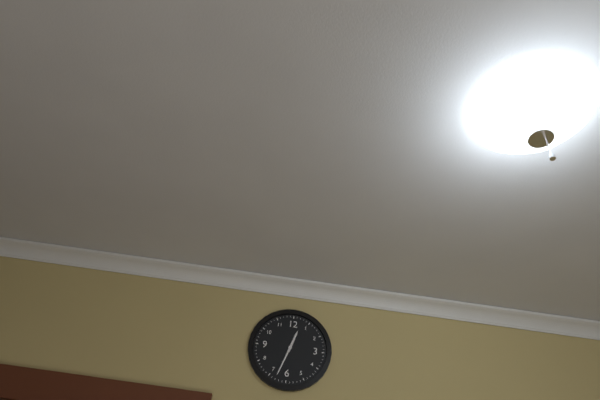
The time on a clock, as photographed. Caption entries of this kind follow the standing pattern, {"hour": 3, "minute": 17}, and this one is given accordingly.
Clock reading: {"hour": 12, "minute": 33}
